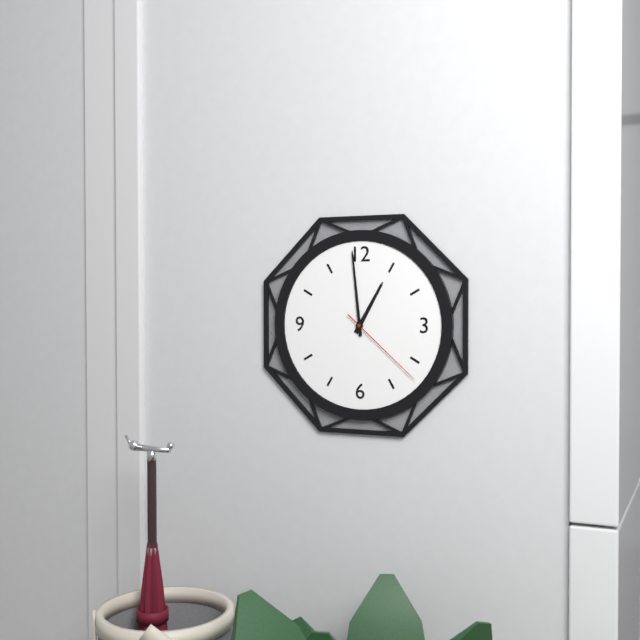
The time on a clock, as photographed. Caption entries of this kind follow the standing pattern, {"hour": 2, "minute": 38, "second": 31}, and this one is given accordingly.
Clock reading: {"hour": 12, "minute": 59, "second": 22}
